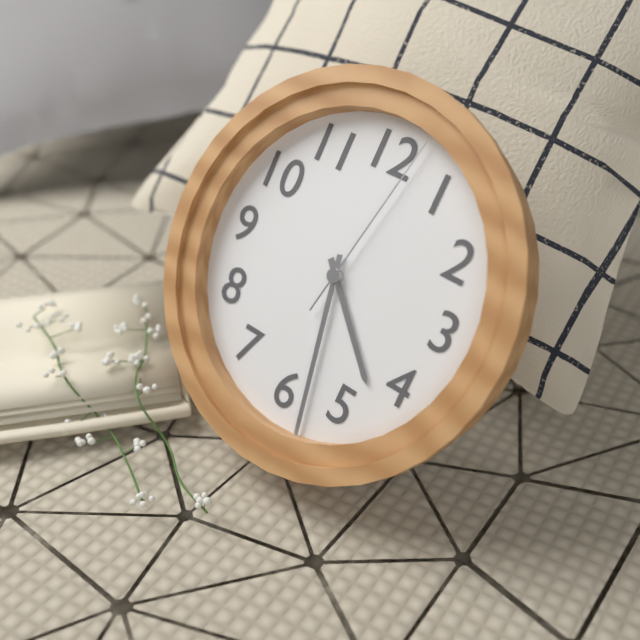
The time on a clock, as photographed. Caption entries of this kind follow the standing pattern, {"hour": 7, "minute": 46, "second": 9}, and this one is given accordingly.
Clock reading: {"hour": 4, "minute": 28, "second": 2}
